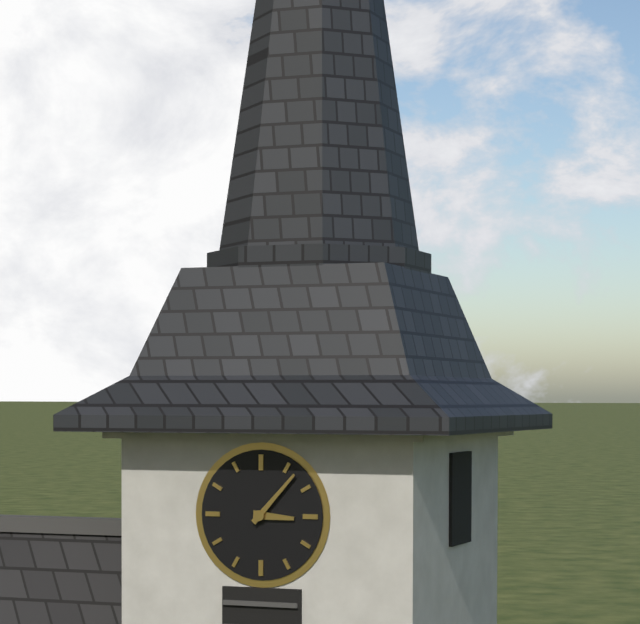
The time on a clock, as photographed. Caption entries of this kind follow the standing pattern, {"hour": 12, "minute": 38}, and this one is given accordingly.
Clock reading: {"hour": 3, "minute": 7}
